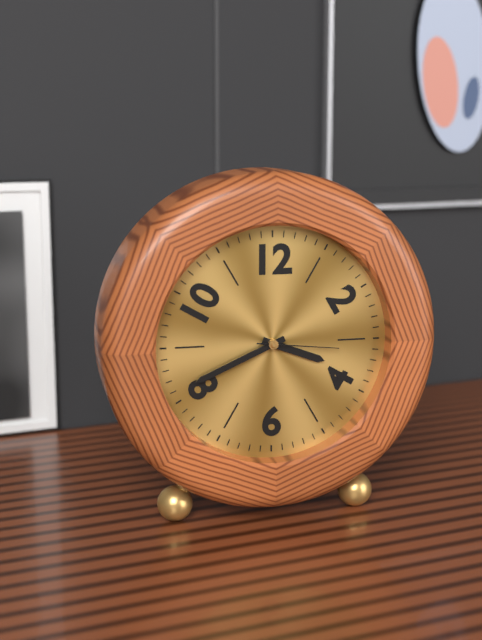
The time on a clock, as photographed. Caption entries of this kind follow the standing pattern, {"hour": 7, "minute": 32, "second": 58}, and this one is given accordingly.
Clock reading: {"hour": 3, "minute": 41, "second": 16}
